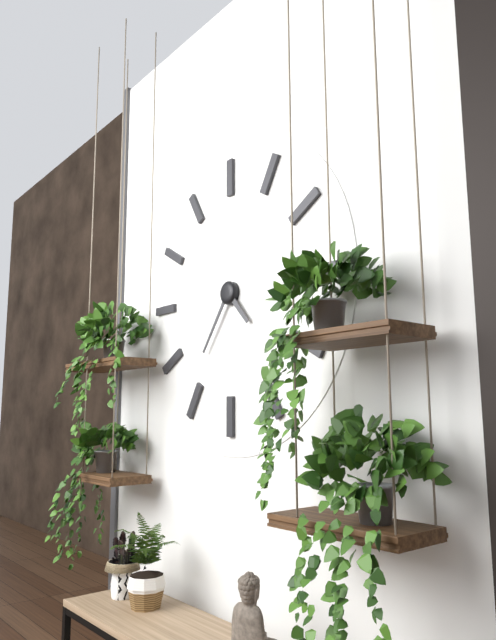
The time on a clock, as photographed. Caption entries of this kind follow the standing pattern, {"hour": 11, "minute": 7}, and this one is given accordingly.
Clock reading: {"hour": 4, "minute": 36}
